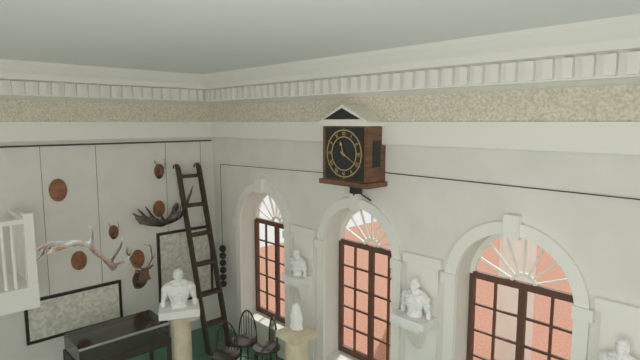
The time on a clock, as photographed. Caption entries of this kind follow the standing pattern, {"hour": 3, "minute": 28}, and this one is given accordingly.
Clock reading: {"hour": 11, "minute": 20}
